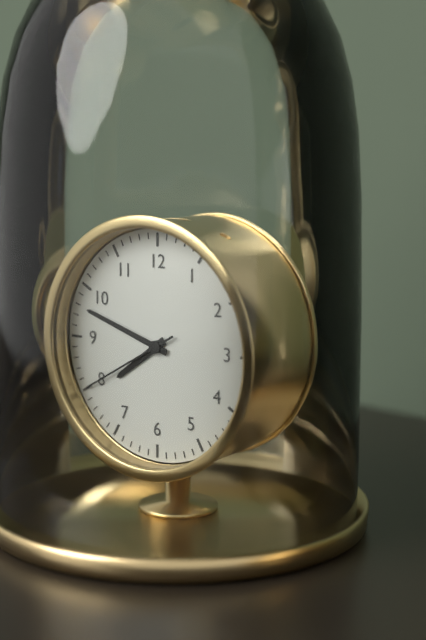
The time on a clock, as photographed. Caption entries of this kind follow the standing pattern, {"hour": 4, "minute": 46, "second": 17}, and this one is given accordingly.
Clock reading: {"hour": 7, "minute": 48, "second": 40}
